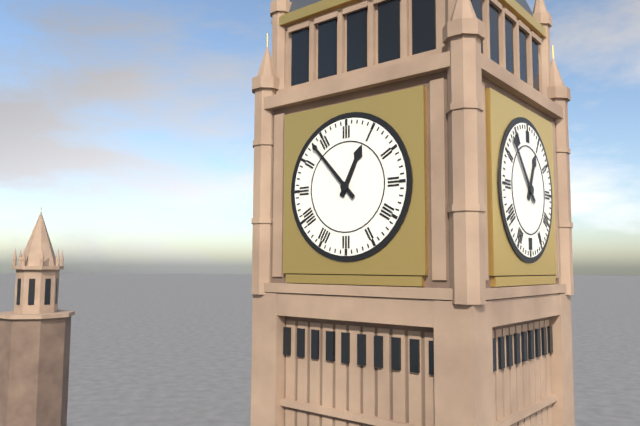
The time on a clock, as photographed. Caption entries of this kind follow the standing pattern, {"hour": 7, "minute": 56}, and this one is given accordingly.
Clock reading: {"hour": 12, "minute": 53}
